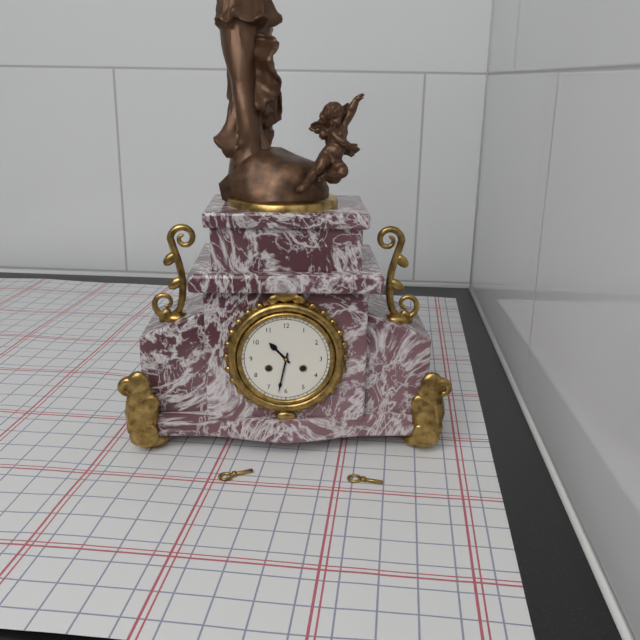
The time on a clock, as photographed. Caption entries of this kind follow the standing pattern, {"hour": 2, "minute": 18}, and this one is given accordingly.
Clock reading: {"hour": 10, "minute": 32}
